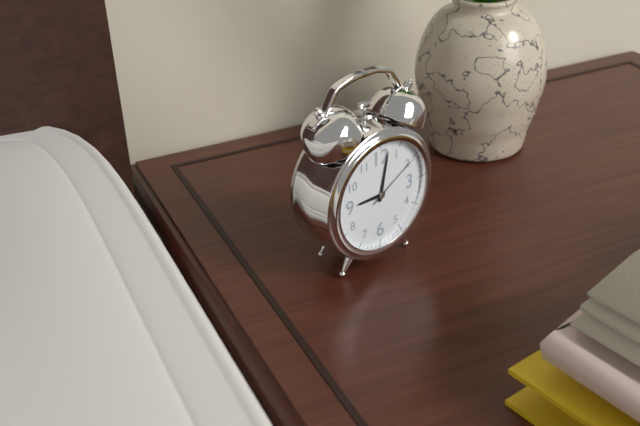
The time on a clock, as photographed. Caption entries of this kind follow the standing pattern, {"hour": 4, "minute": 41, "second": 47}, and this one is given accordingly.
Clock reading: {"hour": 9, "minute": 2, "second": 10}
